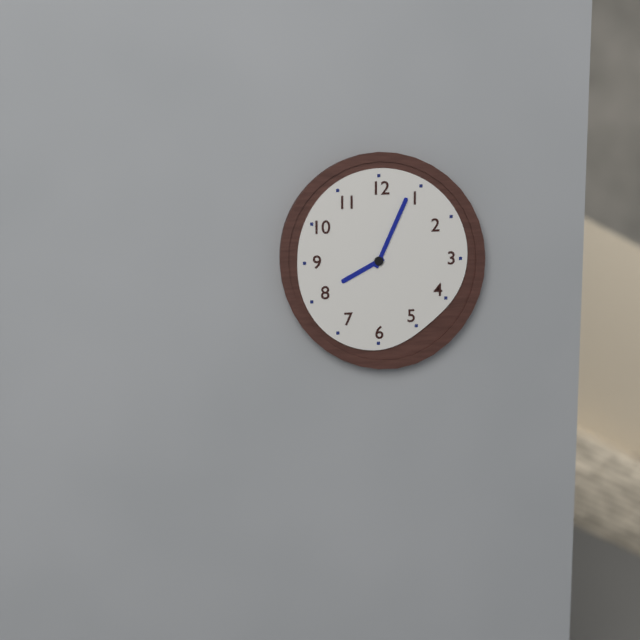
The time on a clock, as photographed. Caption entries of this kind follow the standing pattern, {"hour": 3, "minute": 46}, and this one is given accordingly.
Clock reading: {"hour": 8, "minute": 4}
